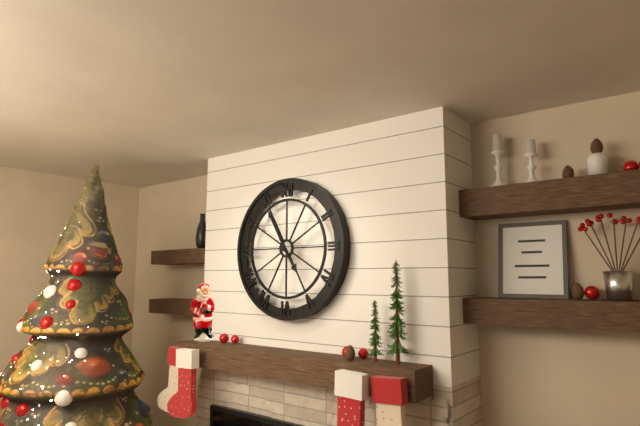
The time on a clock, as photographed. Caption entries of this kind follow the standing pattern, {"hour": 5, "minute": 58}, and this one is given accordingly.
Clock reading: {"hour": 4, "minute": 55}
